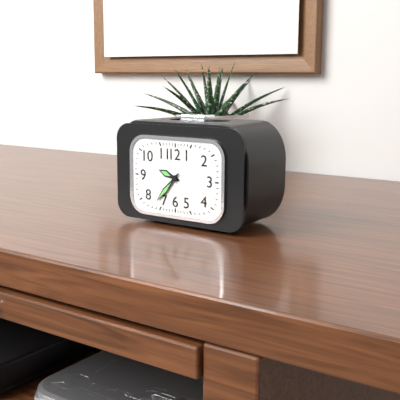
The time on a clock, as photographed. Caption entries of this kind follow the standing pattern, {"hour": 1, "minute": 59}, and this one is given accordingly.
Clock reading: {"hour": 9, "minute": 37}
